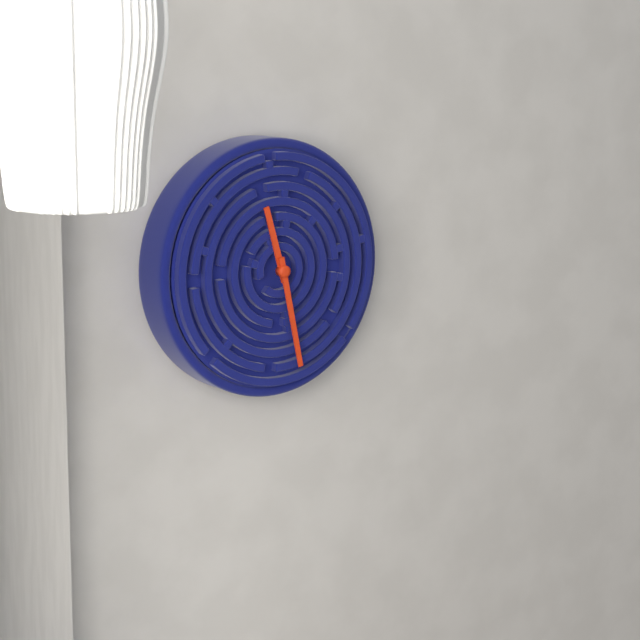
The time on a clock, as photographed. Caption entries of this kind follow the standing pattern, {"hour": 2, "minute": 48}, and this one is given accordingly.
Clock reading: {"hour": 11, "minute": 28}
